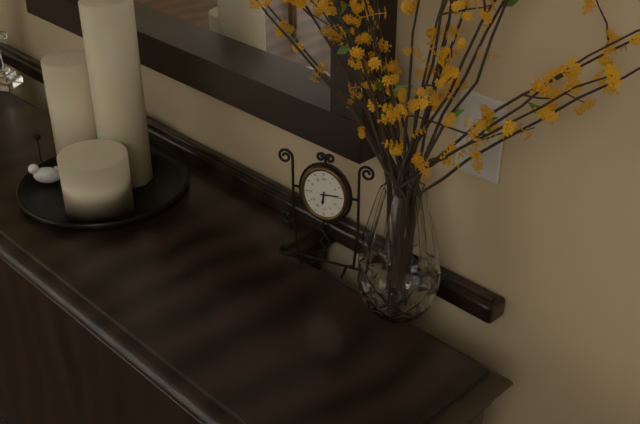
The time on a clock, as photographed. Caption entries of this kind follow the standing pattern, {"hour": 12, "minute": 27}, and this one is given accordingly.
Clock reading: {"hour": 6, "minute": 14}
